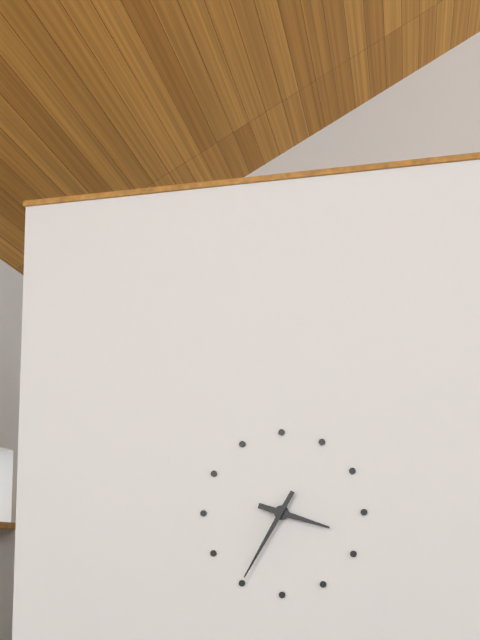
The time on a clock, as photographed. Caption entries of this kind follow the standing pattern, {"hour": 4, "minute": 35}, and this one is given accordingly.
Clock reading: {"hour": 3, "minute": 35}
